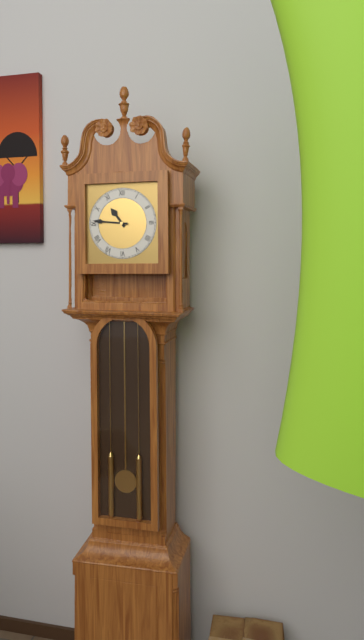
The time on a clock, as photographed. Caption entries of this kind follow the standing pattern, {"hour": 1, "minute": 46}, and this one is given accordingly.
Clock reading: {"hour": 10, "minute": 46}
